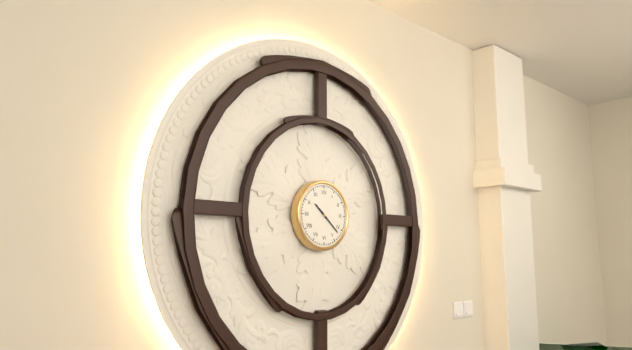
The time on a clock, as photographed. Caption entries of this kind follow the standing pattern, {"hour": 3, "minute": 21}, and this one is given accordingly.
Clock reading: {"hour": 10, "minute": 22}
